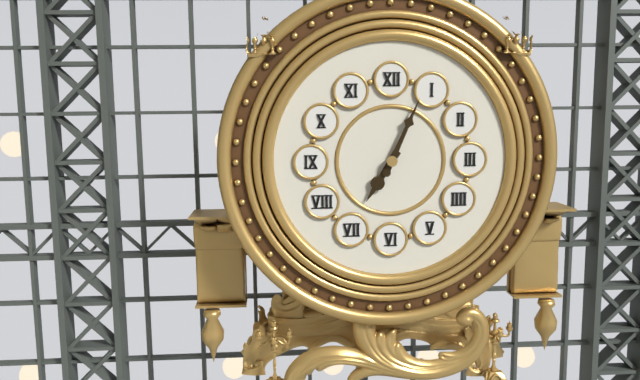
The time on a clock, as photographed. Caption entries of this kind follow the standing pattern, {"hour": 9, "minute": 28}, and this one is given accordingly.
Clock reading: {"hour": 7, "minute": 4}
